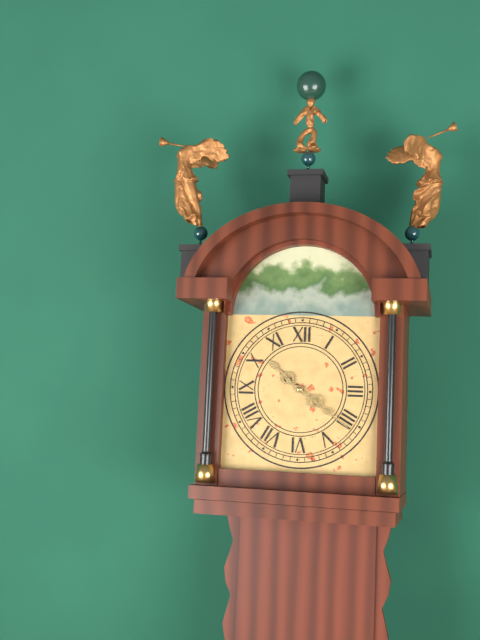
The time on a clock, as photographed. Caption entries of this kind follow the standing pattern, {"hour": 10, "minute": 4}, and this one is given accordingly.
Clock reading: {"hour": 10, "minute": 21}
